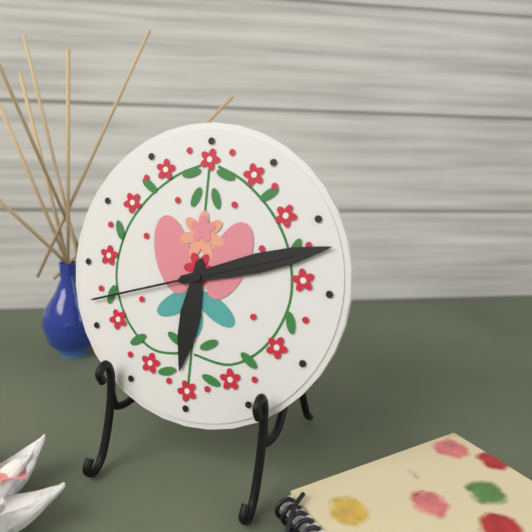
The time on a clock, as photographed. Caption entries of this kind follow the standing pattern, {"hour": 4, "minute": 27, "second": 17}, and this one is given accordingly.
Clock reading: {"hour": 6, "minute": 12, "second": 42}
